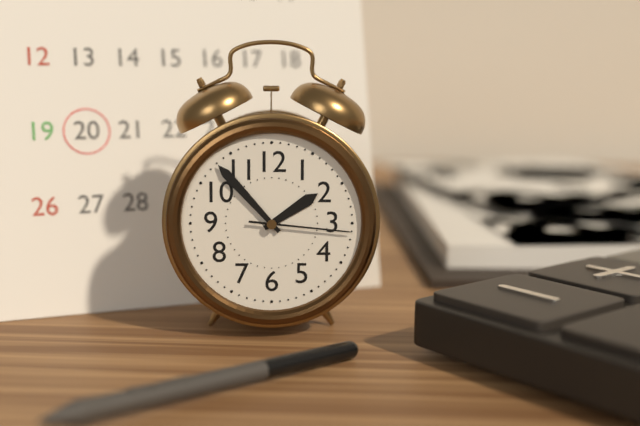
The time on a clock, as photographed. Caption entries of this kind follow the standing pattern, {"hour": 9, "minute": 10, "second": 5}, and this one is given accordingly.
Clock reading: {"hour": 1, "minute": 53, "second": 16}
